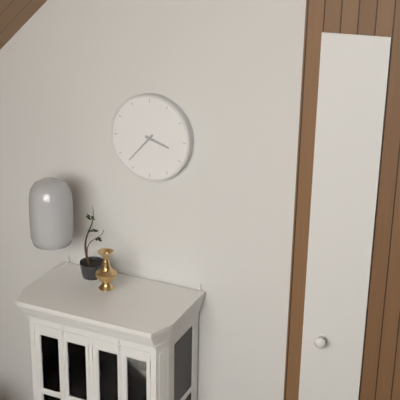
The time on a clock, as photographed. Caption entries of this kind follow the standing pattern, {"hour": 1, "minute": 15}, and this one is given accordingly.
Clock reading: {"hour": 3, "minute": 37}
